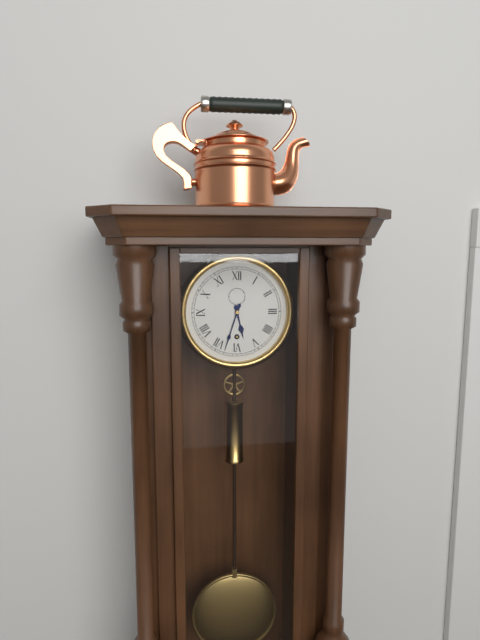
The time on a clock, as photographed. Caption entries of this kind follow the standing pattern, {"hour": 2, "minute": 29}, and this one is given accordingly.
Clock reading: {"hour": 5, "minute": 33}
